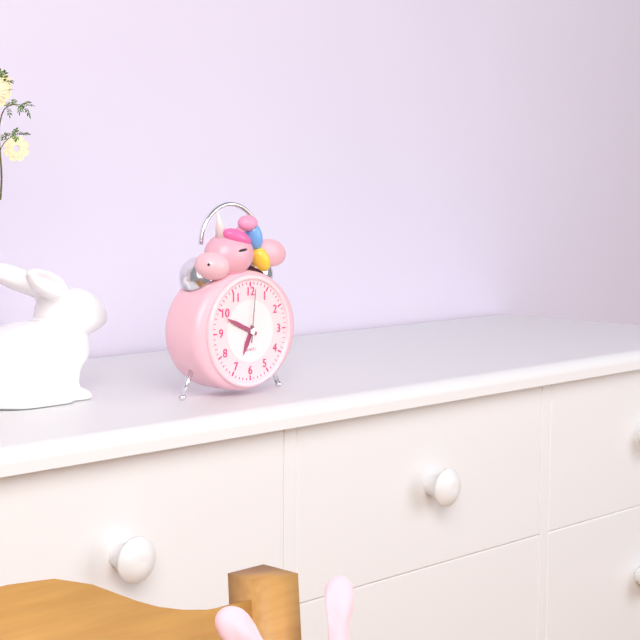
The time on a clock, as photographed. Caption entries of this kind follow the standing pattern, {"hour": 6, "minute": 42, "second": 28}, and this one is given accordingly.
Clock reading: {"hour": 6, "minute": 49, "second": 1}
